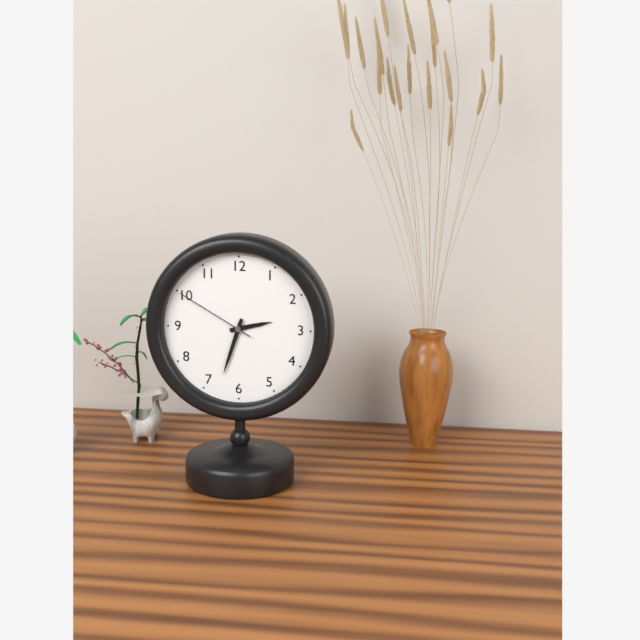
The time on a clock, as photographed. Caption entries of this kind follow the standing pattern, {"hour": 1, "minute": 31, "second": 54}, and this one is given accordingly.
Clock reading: {"hour": 2, "minute": 33, "second": 50}
